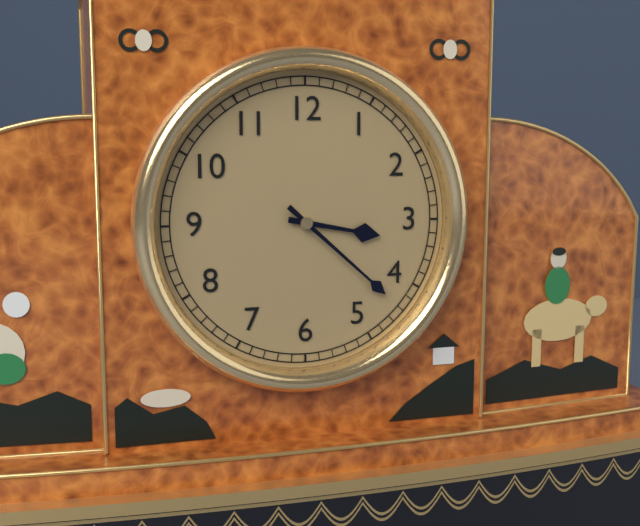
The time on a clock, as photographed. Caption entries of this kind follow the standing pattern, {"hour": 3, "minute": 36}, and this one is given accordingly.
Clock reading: {"hour": 3, "minute": 22}
